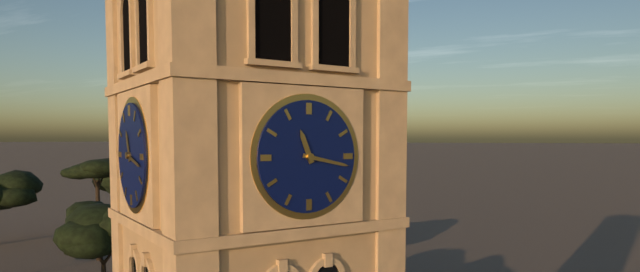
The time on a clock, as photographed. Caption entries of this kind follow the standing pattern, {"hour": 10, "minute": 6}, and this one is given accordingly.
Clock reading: {"hour": 11, "minute": 17}
